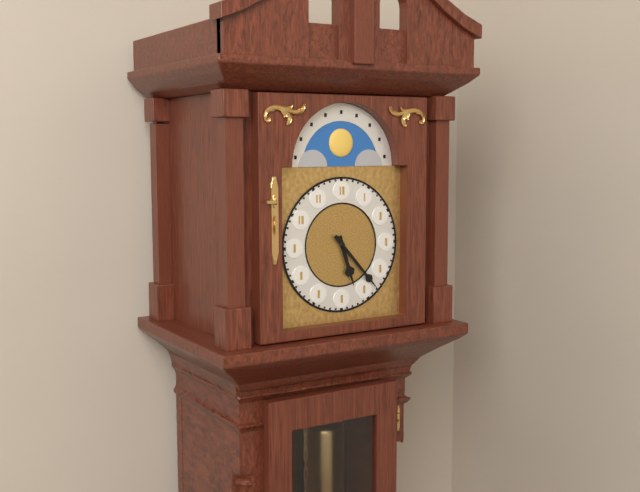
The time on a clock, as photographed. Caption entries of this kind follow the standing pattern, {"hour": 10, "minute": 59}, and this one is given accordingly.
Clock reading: {"hour": 5, "minute": 23}
